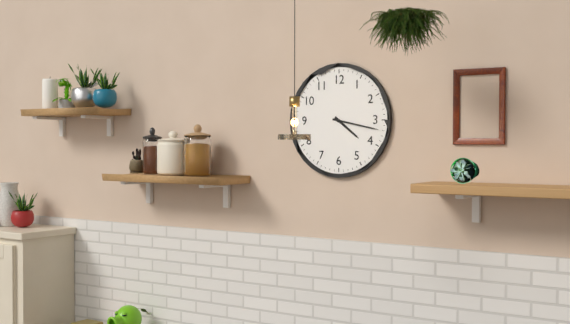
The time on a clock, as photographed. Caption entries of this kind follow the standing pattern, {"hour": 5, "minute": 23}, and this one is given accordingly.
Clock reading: {"hour": 4, "minute": 17}
